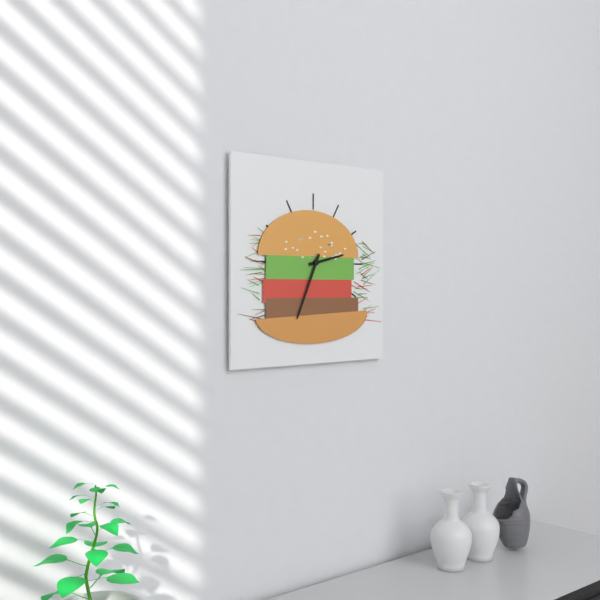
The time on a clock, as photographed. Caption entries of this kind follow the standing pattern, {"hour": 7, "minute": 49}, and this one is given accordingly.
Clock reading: {"hour": 2, "minute": 34}
